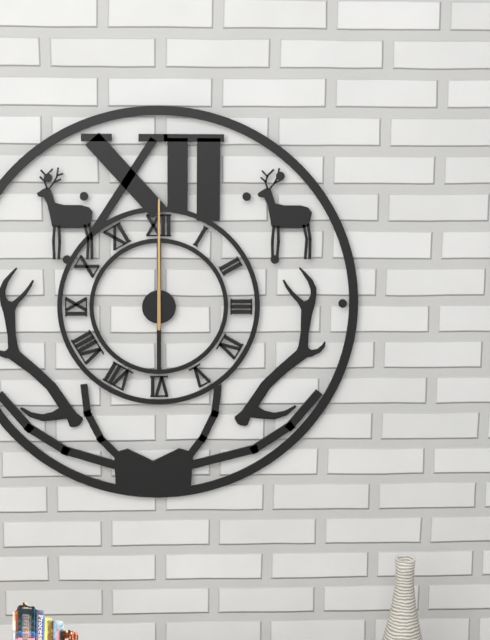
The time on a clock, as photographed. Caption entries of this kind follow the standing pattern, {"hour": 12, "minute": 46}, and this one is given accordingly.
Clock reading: {"hour": 12, "minute": 0}
